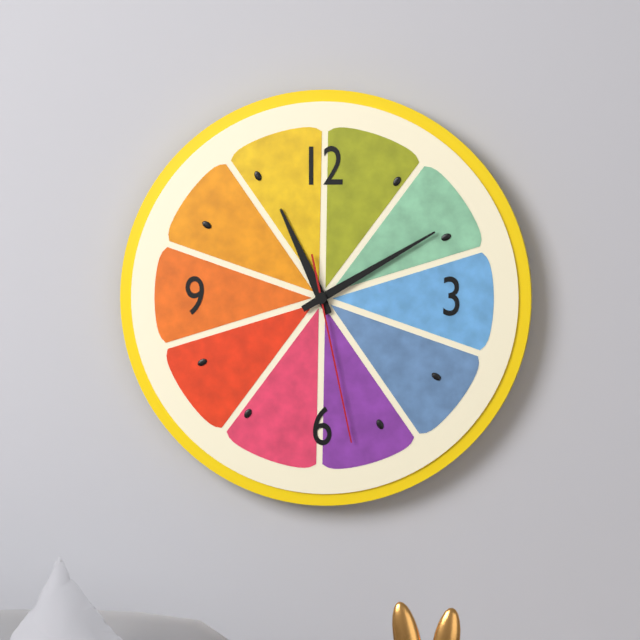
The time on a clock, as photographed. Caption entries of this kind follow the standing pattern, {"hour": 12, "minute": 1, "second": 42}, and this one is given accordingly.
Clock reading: {"hour": 11, "minute": 10, "second": 28}
